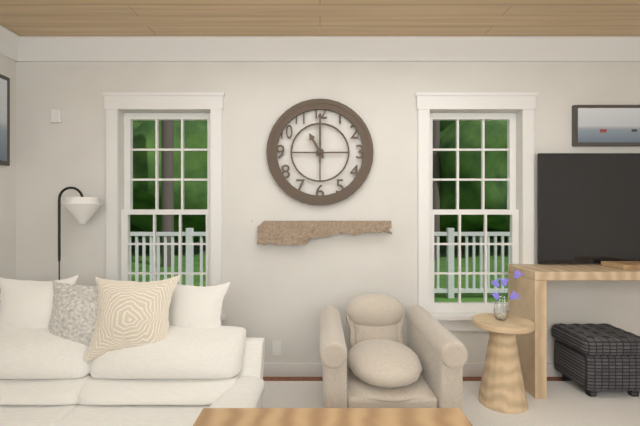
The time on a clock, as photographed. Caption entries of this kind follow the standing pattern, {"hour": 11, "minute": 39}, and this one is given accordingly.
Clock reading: {"hour": 11, "minute": 0}
